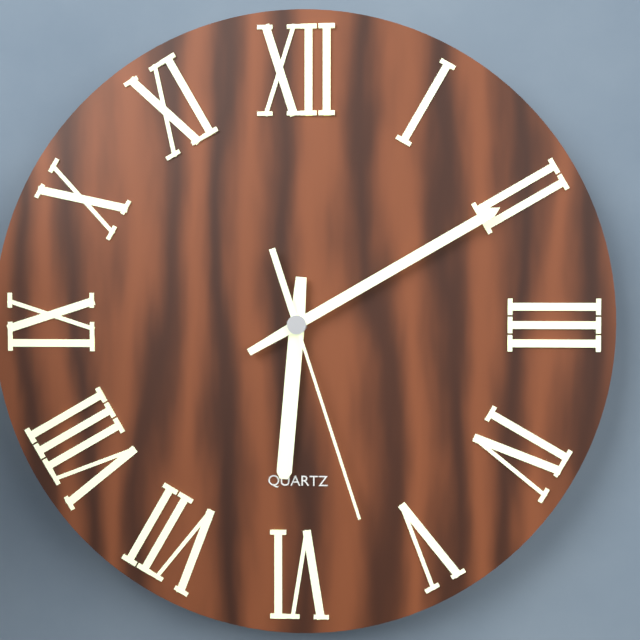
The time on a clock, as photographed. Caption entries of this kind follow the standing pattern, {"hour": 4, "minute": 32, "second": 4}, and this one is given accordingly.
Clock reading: {"hour": 6, "minute": 10, "second": 27}
